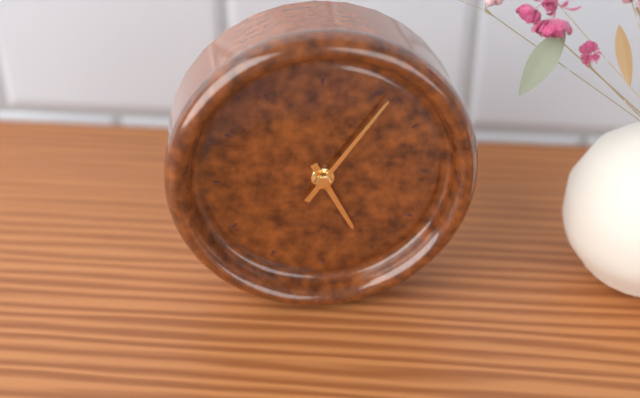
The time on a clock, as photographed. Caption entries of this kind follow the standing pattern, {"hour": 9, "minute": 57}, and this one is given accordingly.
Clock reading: {"hour": 5, "minute": 6}
